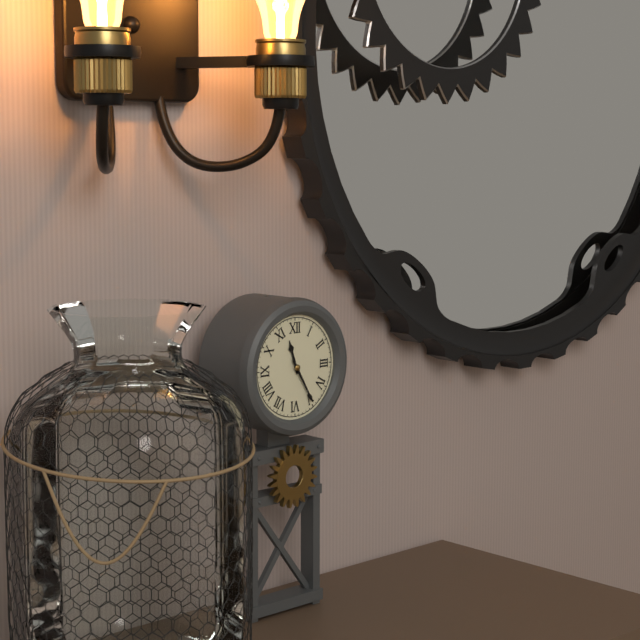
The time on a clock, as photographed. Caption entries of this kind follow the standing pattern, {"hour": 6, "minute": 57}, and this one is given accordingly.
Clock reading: {"hour": 11, "minute": 25}
